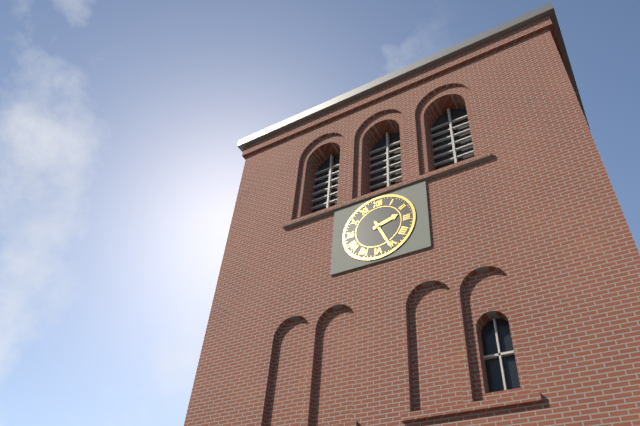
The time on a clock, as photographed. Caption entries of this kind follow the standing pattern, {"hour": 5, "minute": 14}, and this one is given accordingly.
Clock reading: {"hour": 2, "minute": 26}
